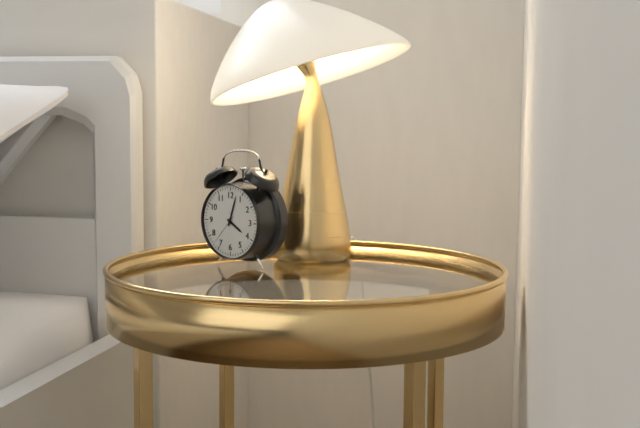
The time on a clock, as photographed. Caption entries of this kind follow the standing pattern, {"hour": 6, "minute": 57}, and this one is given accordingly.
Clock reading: {"hour": 4, "minute": 3}
